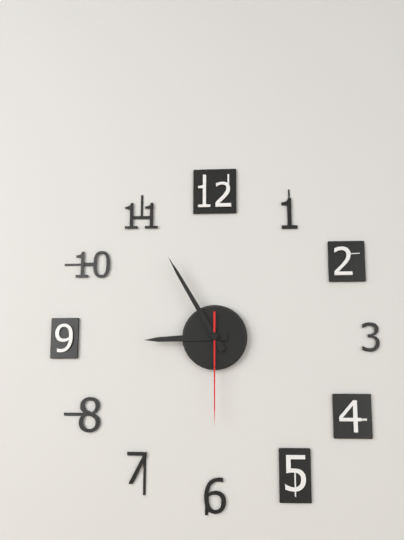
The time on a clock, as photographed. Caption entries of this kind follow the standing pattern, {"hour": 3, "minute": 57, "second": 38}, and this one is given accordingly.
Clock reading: {"hour": 8, "minute": 55, "second": 30}
